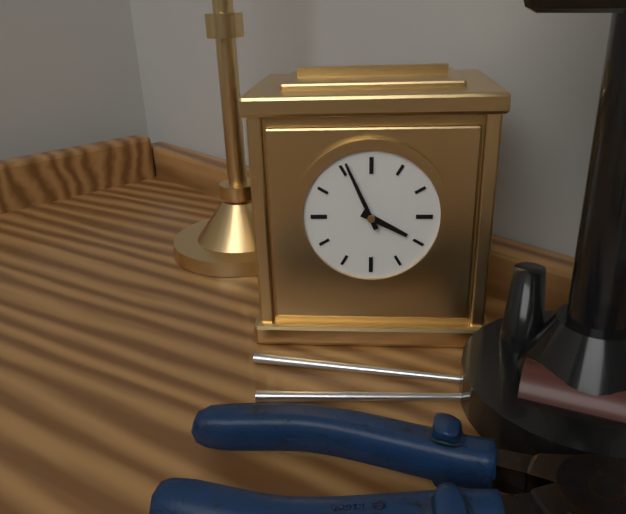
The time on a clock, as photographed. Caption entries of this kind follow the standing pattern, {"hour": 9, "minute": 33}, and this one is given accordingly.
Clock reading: {"hour": 3, "minute": 56}
